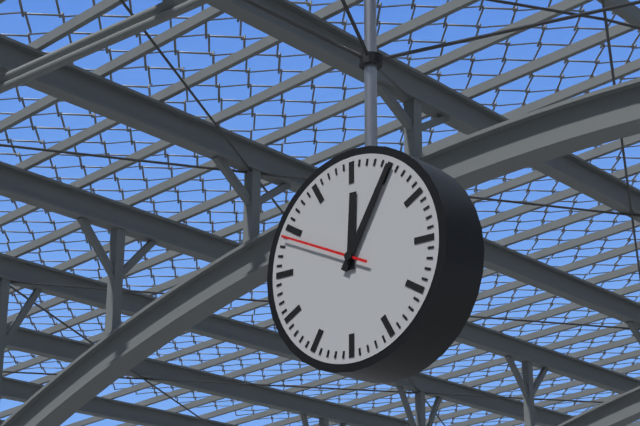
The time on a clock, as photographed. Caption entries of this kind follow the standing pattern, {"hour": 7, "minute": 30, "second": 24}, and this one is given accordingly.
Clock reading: {"hour": 12, "minute": 5, "second": 49}
